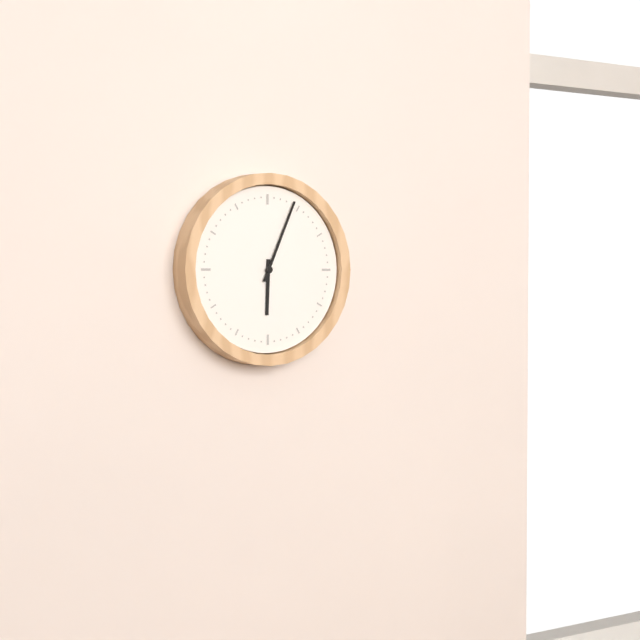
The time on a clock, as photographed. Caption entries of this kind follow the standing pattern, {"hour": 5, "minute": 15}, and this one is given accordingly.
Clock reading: {"hour": 6, "minute": 4}
